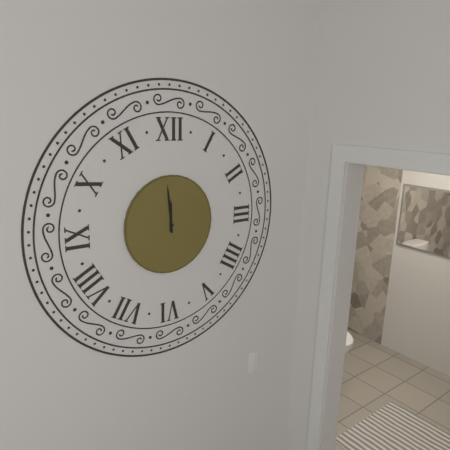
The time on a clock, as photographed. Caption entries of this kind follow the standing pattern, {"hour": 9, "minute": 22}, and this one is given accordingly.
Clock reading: {"hour": 11, "minute": 59}
